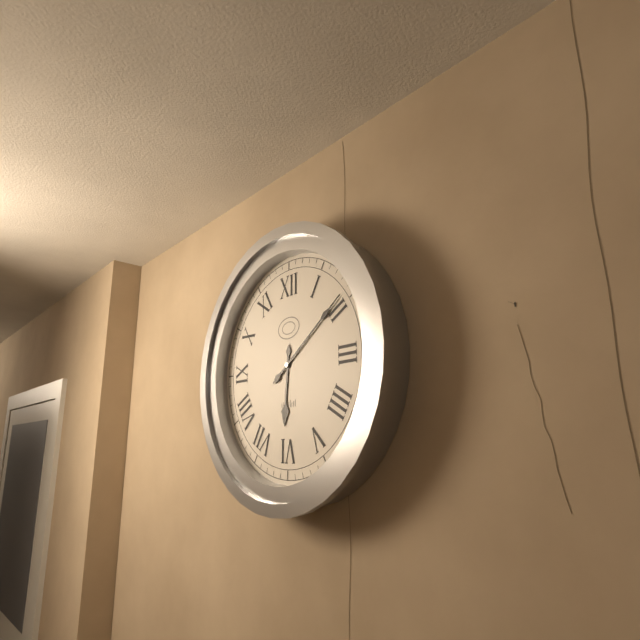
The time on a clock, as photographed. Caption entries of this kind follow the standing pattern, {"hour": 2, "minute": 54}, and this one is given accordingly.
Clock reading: {"hour": 6, "minute": 9}
